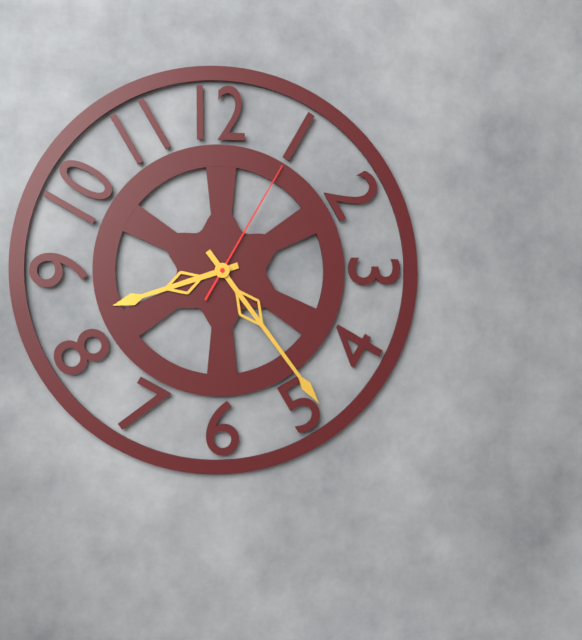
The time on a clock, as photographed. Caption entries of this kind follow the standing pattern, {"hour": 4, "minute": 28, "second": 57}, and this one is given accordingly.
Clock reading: {"hour": 8, "minute": 24, "second": 5}
